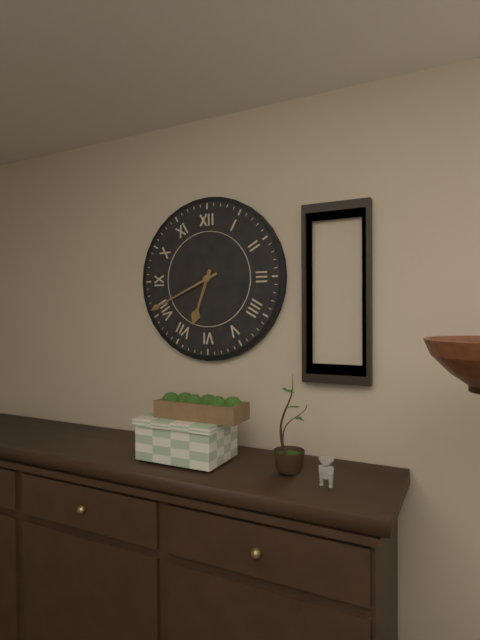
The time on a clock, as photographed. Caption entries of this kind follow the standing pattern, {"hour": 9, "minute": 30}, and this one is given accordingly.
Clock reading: {"hour": 6, "minute": 41}
